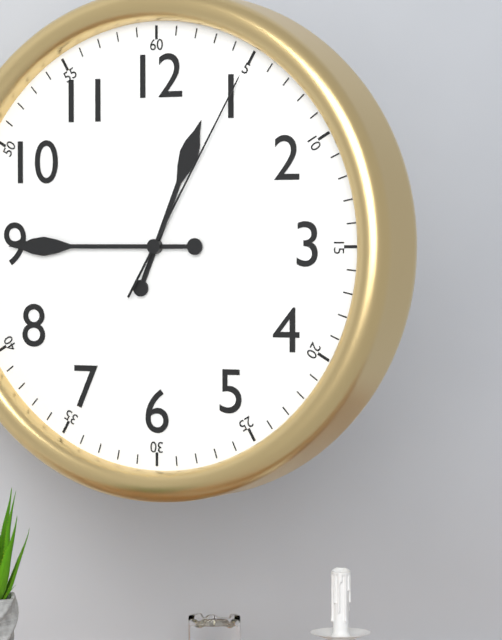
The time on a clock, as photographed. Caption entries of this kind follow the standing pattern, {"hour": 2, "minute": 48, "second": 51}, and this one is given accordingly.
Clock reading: {"hour": 12, "minute": 45, "second": 5}
